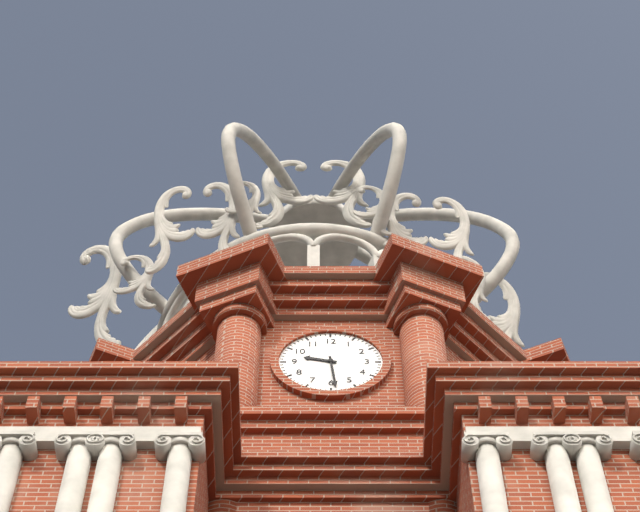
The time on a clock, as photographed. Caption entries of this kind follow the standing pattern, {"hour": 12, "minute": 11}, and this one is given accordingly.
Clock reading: {"hour": 9, "minute": 29}
